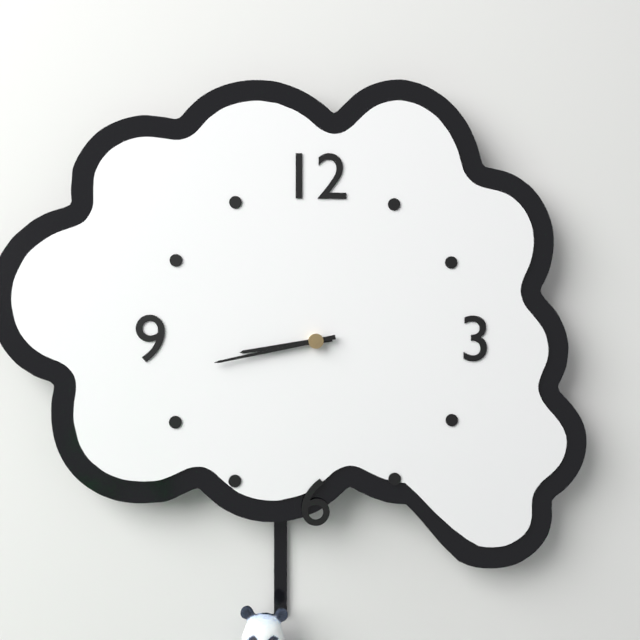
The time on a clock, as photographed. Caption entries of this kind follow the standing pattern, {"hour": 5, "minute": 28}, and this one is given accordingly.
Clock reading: {"hour": 8, "minute": 43}
